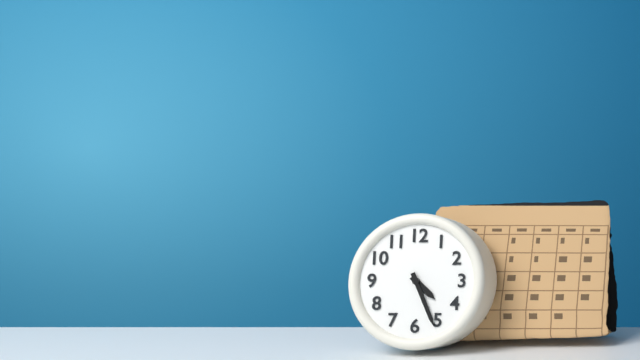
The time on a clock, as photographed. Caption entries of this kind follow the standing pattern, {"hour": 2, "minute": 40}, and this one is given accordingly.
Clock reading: {"hour": 4, "minute": 26}
